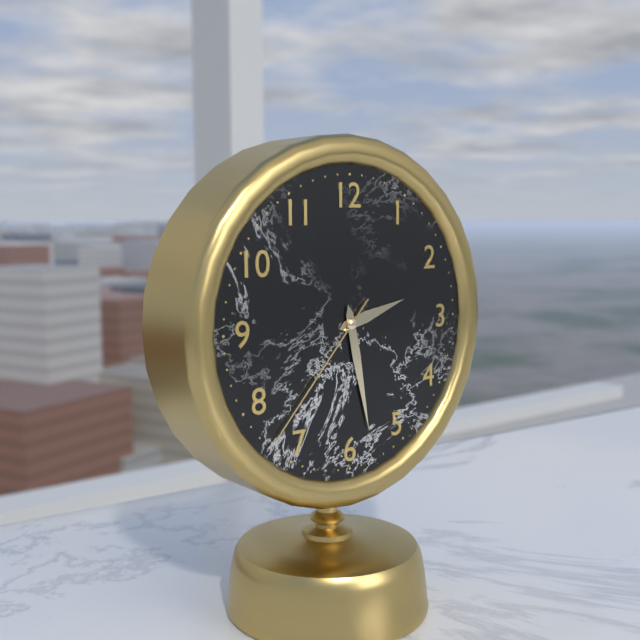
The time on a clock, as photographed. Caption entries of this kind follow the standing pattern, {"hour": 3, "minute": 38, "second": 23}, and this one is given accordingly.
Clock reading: {"hour": 2, "minute": 28, "second": 37}
